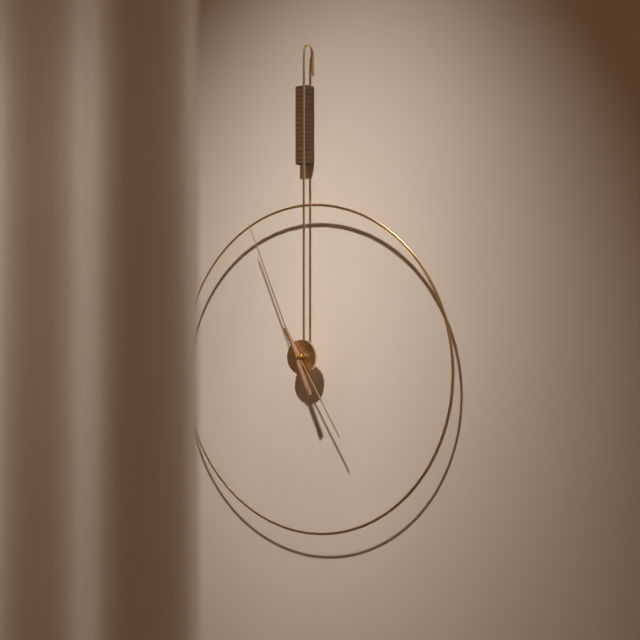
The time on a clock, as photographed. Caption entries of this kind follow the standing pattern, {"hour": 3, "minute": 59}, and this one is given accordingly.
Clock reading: {"hour": 4, "minute": 56}
